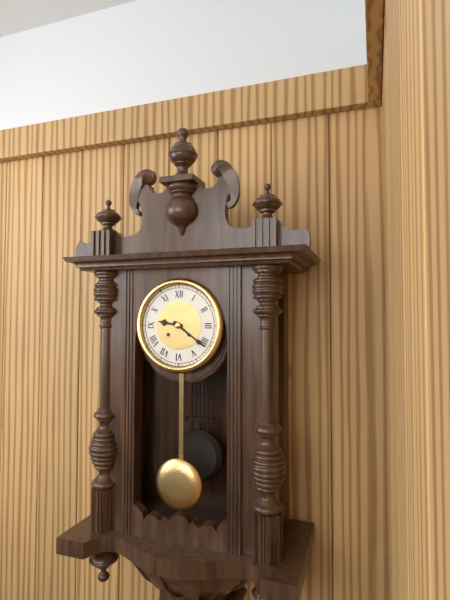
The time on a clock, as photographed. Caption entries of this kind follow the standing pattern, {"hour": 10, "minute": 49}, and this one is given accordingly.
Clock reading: {"hour": 9, "minute": 21}
